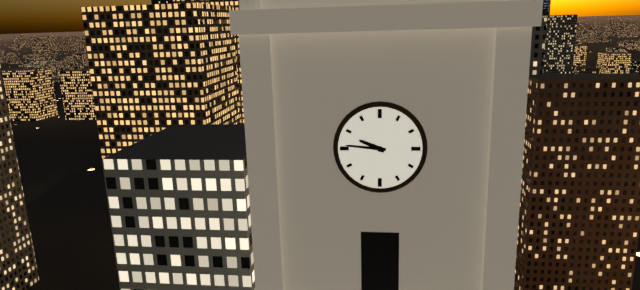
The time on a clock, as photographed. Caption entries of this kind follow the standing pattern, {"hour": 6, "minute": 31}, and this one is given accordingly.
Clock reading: {"hour": 9, "minute": 46}
